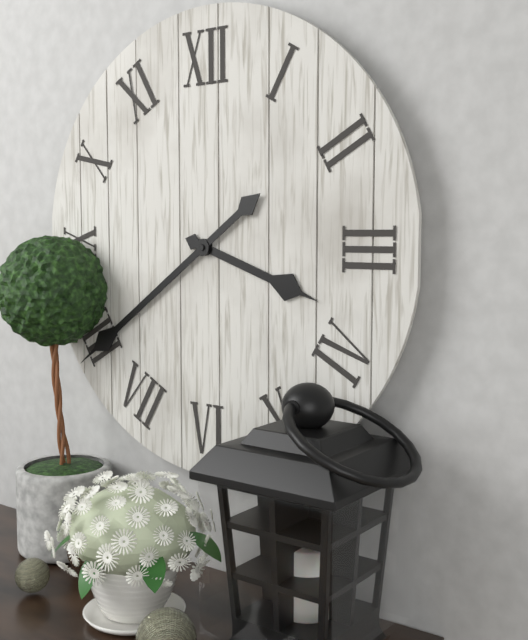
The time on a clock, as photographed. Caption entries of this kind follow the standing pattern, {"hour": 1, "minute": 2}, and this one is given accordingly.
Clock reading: {"hour": 3, "minute": 39}
